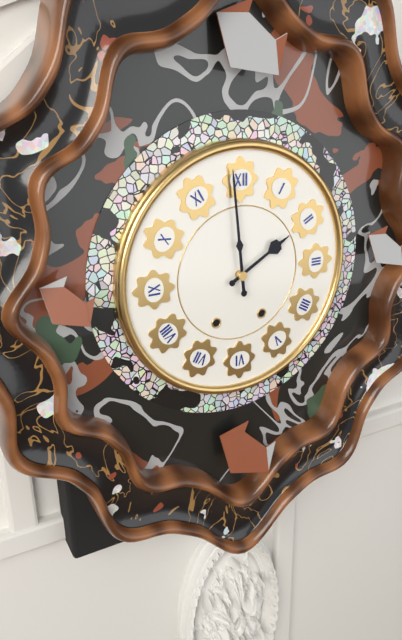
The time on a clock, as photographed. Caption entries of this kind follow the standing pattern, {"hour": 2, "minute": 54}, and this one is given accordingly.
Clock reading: {"hour": 1, "minute": 59}
